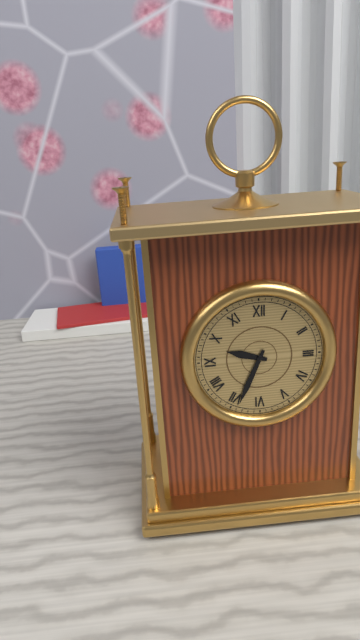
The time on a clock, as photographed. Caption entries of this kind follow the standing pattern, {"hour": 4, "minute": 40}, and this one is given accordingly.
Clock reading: {"hour": 9, "minute": 34}
